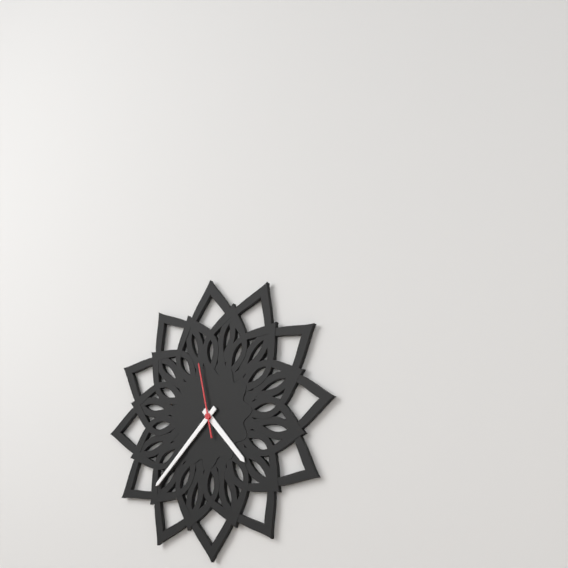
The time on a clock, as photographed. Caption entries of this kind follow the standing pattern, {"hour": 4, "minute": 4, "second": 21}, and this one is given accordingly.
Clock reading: {"hour": 4, "minute": 38, "second": 58}
